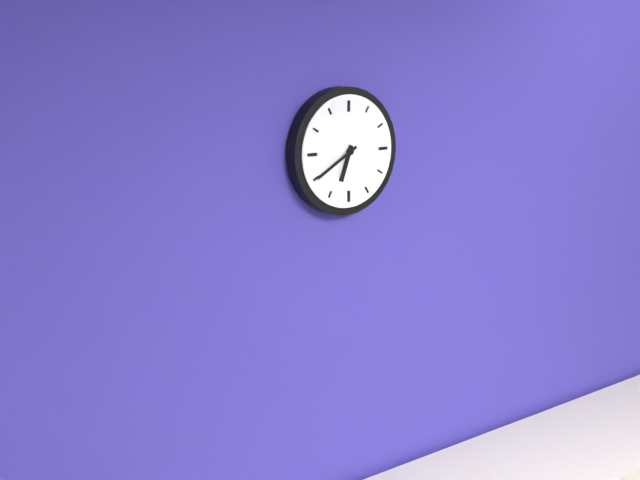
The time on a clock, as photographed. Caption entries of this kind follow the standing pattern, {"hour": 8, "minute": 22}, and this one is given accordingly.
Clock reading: {"hour": 6, "minute": 40}
